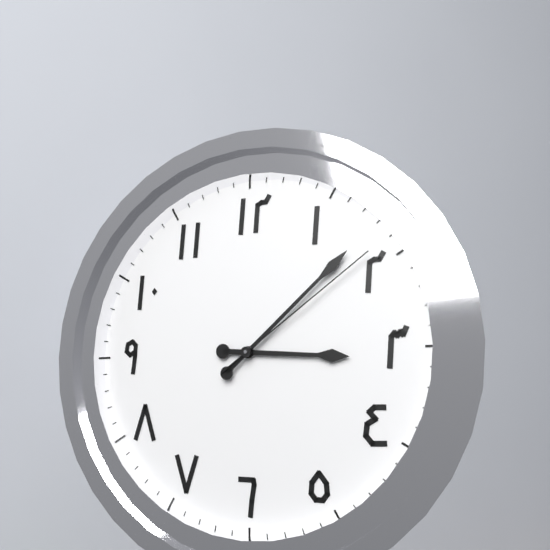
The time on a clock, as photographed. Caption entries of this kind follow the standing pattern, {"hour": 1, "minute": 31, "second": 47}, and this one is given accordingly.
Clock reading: {"hour": 3, "minute": 8, "second": 9}
